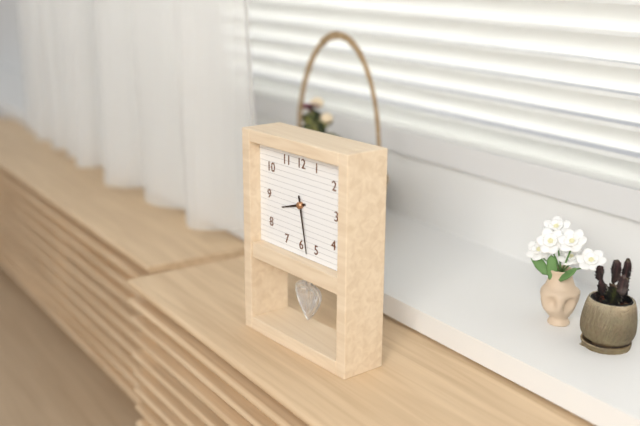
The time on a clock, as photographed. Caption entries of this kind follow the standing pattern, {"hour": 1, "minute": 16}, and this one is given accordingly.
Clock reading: {"hour": 8, "minute": 28}
